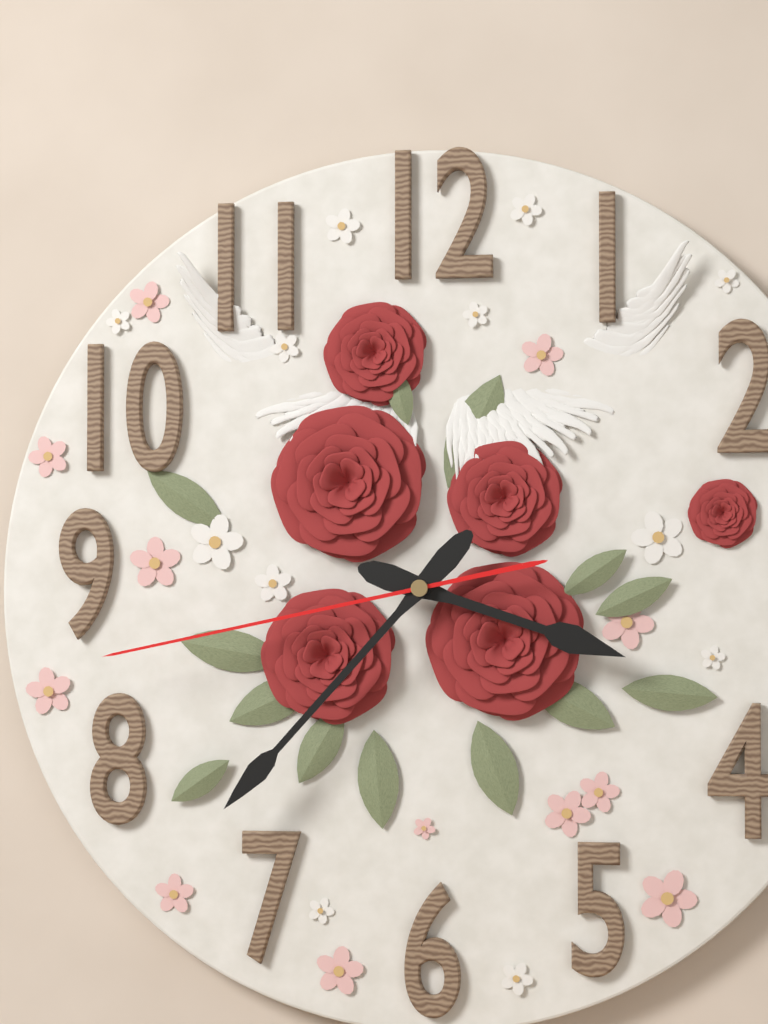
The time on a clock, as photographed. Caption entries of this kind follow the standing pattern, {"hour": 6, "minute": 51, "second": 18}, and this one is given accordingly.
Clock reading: {"hour": 3, "minute": 37, "second": 43}
